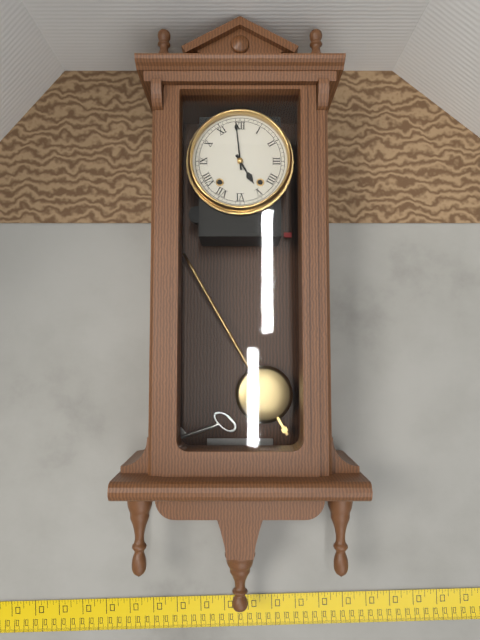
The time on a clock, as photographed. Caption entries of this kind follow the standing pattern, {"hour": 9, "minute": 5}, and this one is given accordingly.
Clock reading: {"hour": 4, "minute": 59}
